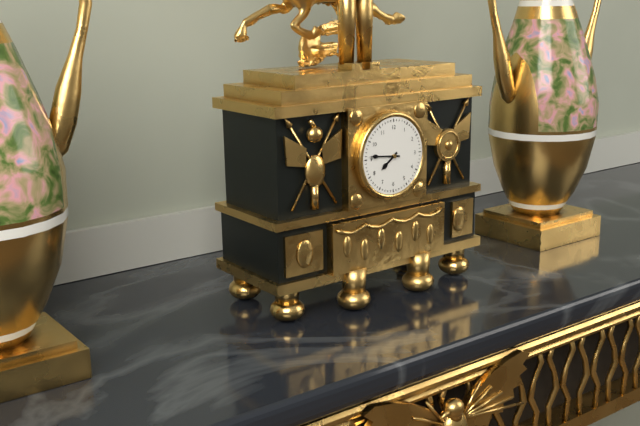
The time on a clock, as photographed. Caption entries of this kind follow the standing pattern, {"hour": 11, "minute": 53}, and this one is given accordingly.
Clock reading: {"hour": 7, "minute": 46}
